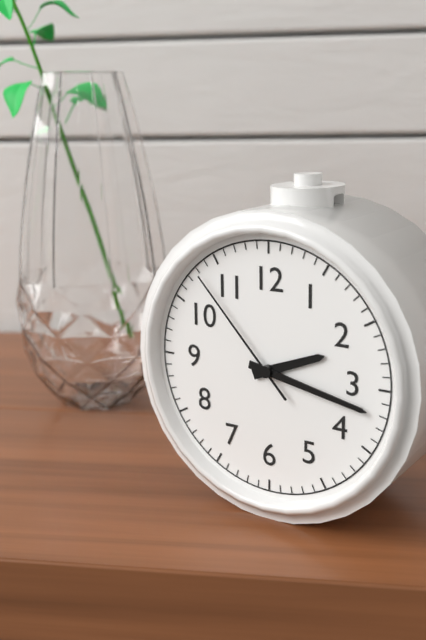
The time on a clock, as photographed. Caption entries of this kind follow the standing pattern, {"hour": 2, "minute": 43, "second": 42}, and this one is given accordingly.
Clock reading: {"hour": 2, "minute": 17, "second": 53}
